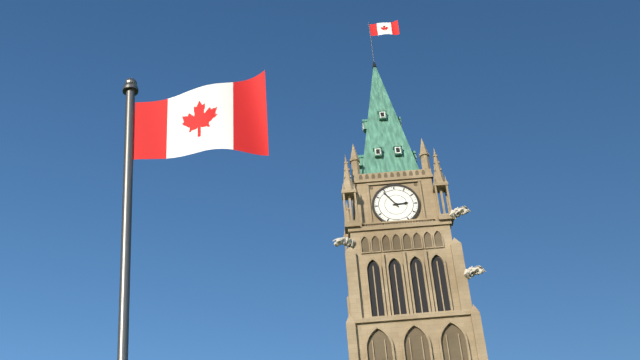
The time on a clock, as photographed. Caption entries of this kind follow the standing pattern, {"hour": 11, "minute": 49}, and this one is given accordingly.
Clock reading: {"hour": 2, "minute": 54}
